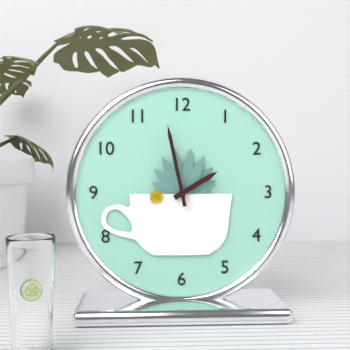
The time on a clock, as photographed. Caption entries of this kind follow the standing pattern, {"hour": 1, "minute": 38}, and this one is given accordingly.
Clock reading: {"hour": 1, "minute": 58}
